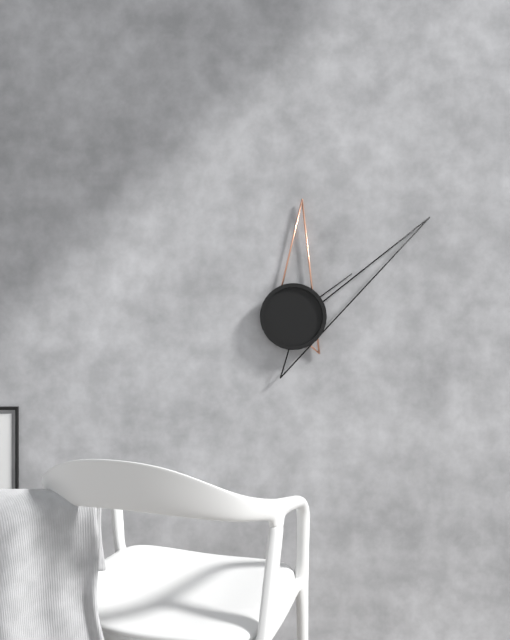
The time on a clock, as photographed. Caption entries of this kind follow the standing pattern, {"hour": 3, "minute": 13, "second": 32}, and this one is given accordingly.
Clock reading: {"hour": 12, "minute": 9, "second": 9}
